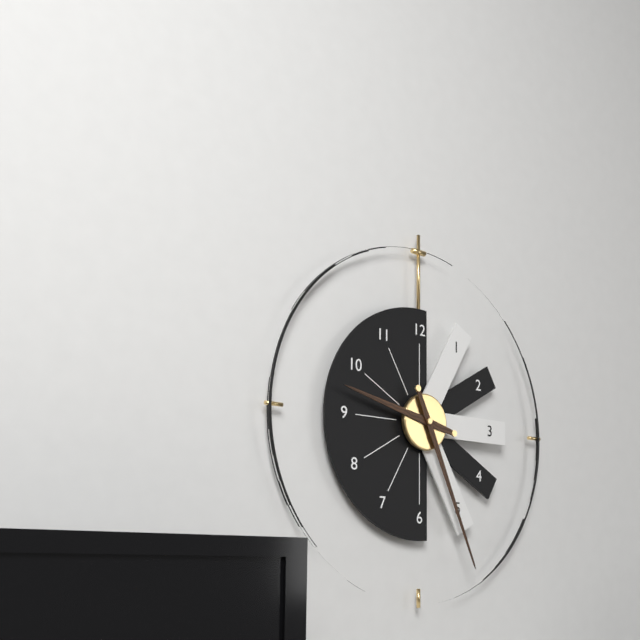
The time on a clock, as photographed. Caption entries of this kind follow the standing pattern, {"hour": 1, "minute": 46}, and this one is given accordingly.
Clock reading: {"hour": 9, "minute": 26}
